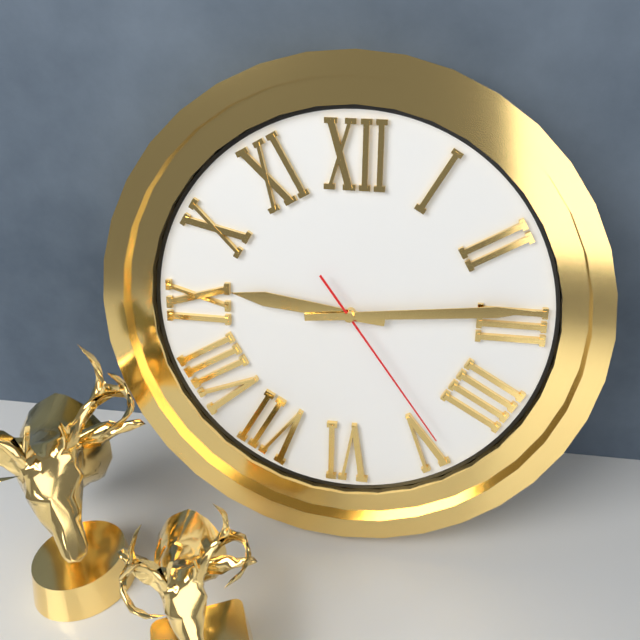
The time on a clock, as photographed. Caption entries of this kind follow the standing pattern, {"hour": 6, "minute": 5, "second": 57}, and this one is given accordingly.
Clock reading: {"hour": 9, "minute": 14, "second": 24}
